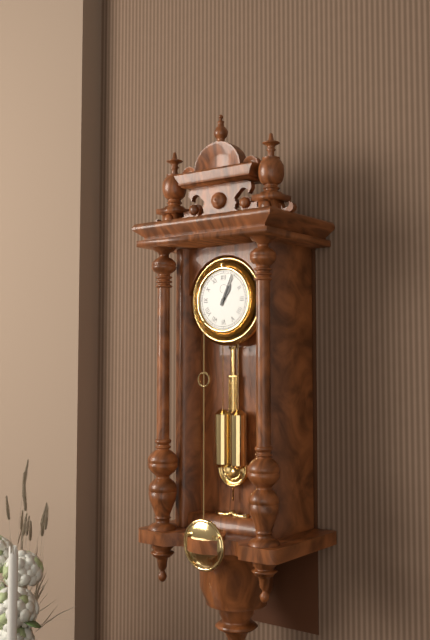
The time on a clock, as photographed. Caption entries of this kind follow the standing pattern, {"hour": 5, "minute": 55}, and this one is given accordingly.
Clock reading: {"hour": 1, "minute": 4}
